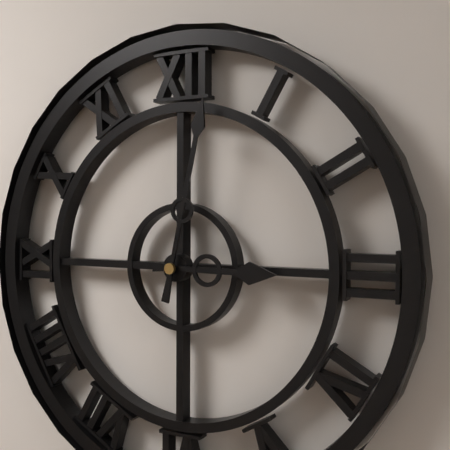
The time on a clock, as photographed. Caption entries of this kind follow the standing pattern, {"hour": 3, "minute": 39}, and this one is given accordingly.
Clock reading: {"hour": 3, "minute": 2}
